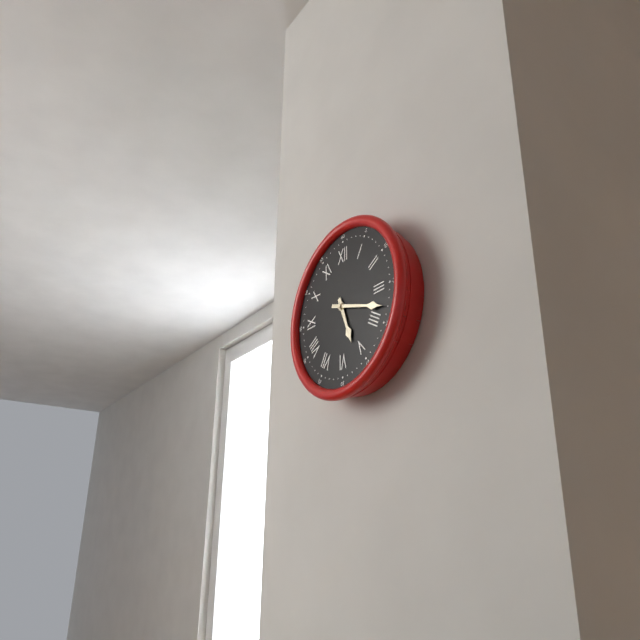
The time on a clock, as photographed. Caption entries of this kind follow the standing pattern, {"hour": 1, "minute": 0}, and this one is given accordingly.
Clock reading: {"hour": 5, "minute": 18}
